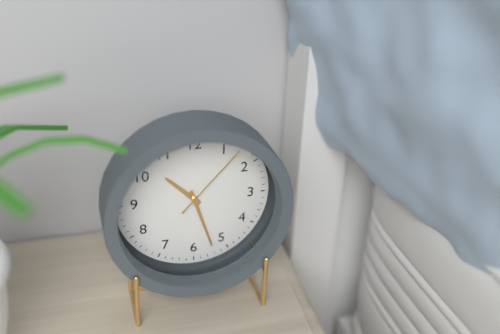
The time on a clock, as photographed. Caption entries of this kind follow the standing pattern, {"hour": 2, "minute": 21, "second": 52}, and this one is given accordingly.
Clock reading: {"hour": 10, "minute": 27, "second": 7}
